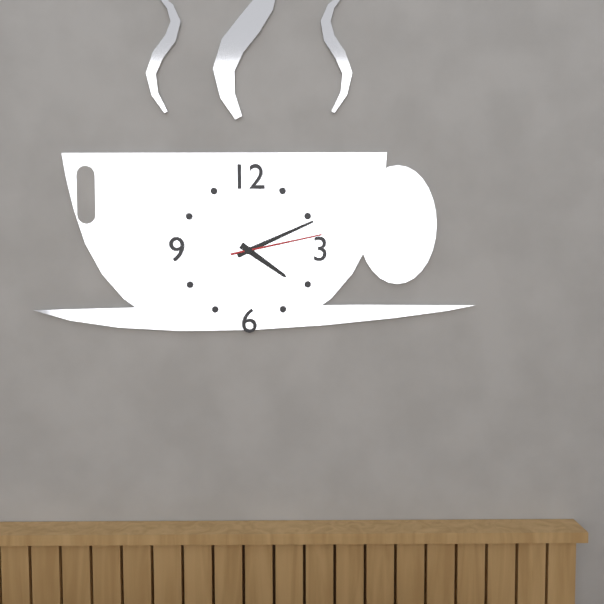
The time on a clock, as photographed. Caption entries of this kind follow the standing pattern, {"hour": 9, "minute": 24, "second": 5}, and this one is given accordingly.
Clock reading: {"hour": 4, "minute": 11, "second": 13}
